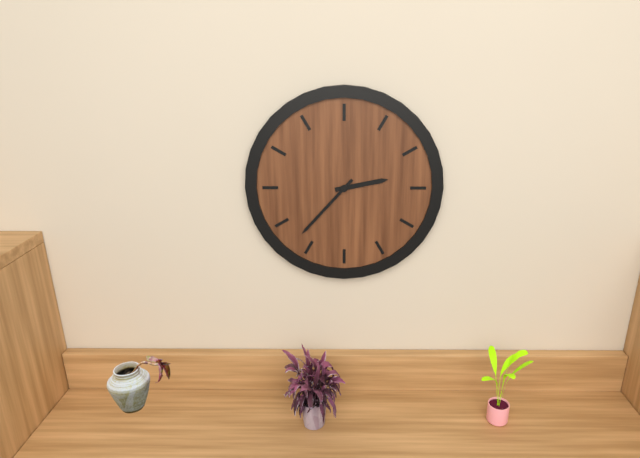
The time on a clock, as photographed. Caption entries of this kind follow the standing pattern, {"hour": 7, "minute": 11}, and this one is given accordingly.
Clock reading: {"hour": 2, "minute": 37}
